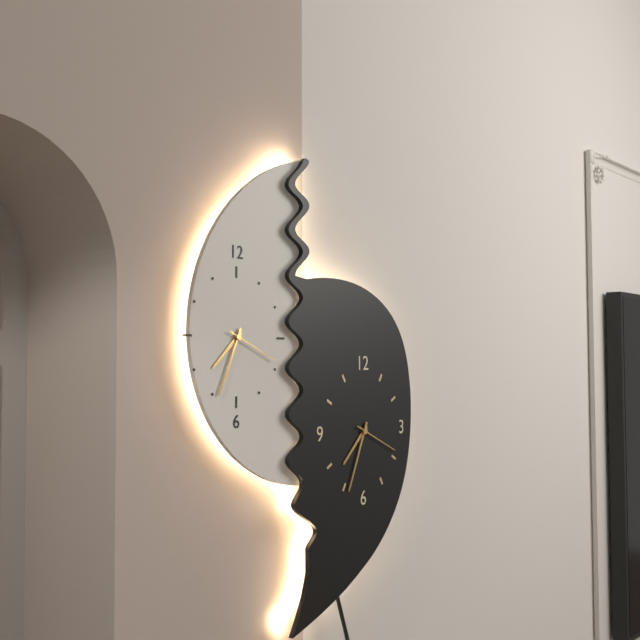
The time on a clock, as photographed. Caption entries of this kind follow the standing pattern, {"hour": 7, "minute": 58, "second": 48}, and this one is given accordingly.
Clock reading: {"hour": 7, "minute": 34, "second": 19}
